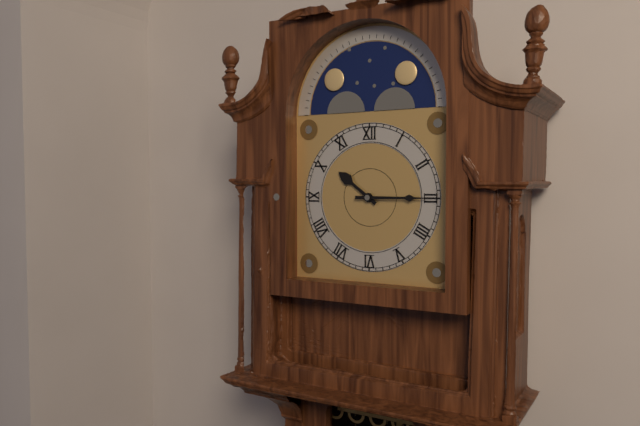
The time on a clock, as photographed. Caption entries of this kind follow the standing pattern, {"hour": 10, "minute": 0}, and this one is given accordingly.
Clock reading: {"hour": 10, "minute": 15}
